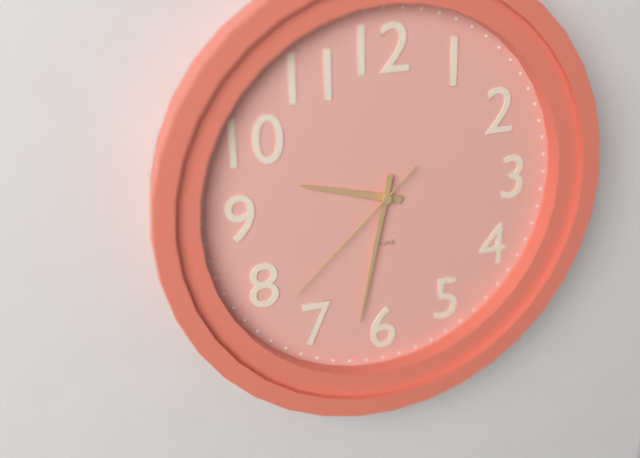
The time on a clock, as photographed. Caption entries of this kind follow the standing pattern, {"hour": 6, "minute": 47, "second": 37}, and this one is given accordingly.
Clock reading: {"hour": 9, "minute": 32, "second": 38}
